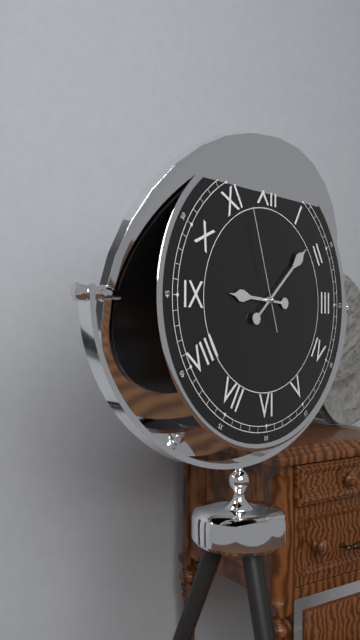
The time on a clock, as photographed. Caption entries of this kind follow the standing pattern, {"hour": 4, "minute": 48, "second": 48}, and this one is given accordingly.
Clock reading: {"hour": 9, "minute": 8, "second": 57}
